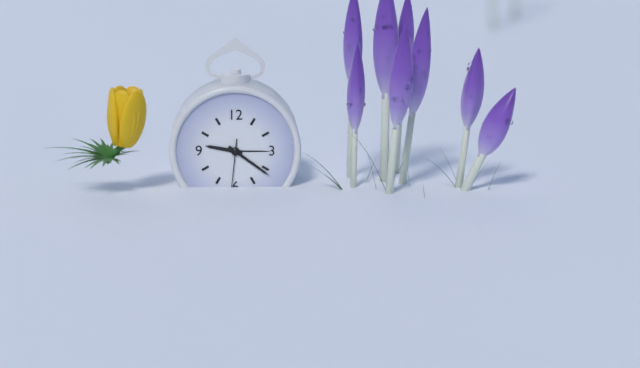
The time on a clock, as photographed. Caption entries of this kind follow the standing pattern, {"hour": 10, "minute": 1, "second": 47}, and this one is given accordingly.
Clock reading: {"hour": 9, "minute": 21, "second": 31}
